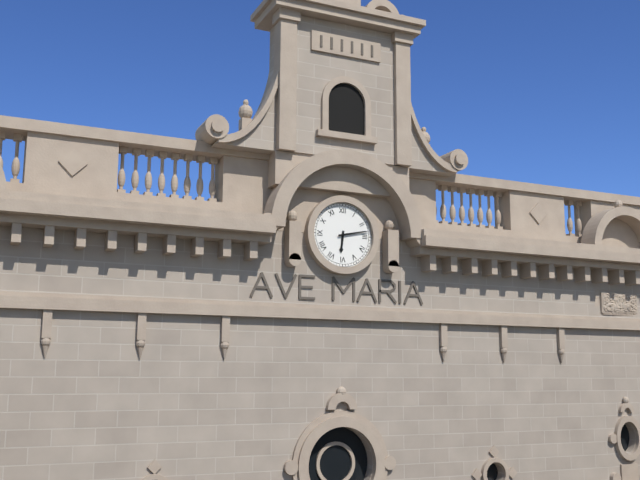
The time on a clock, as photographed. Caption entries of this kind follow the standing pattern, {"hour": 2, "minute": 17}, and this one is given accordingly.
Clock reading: {"hour": 6, "minute": 13}
